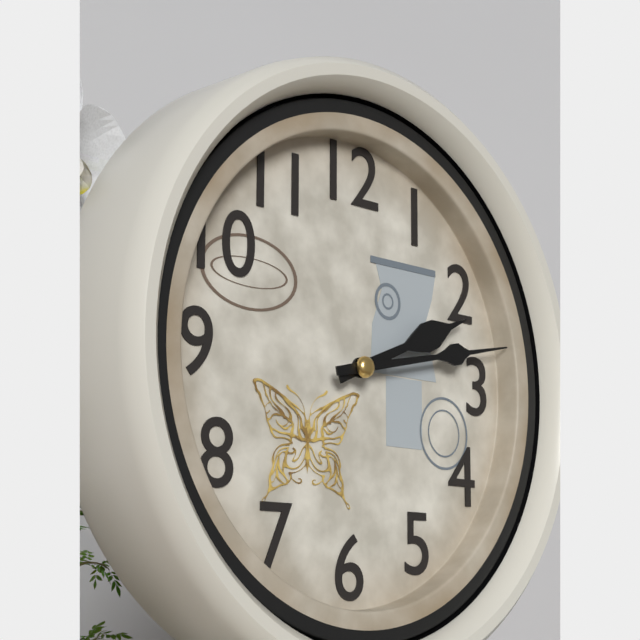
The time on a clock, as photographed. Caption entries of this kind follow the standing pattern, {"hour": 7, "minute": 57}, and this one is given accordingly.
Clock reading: {"hour": 2, "minute": 13}
